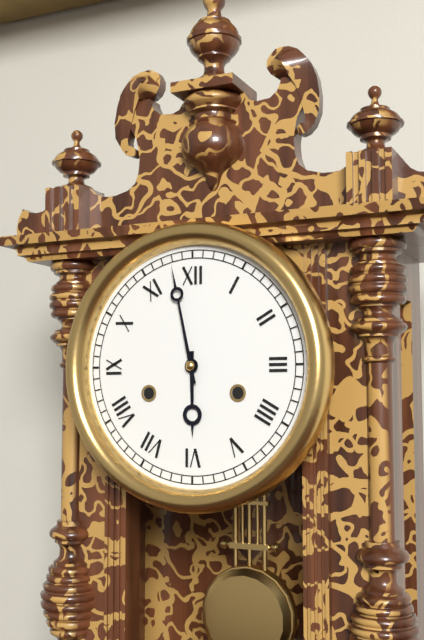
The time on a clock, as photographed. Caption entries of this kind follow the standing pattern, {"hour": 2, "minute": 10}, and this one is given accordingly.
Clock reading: {"hour": 5, "minute": 58}
